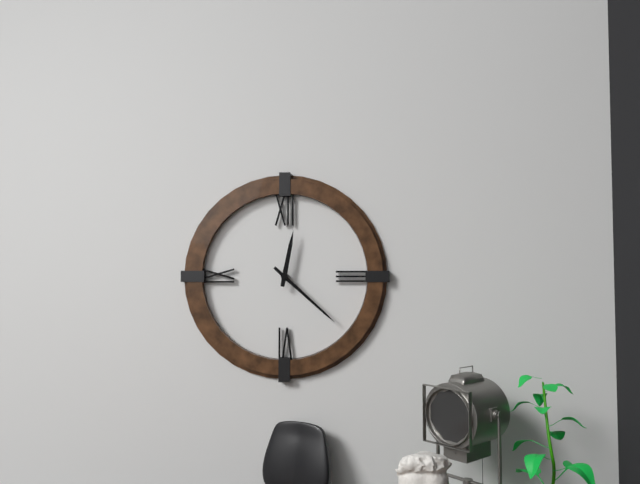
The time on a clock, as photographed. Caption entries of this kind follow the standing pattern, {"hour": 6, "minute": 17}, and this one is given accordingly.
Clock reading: {"hour": 12, "minute": 22}
